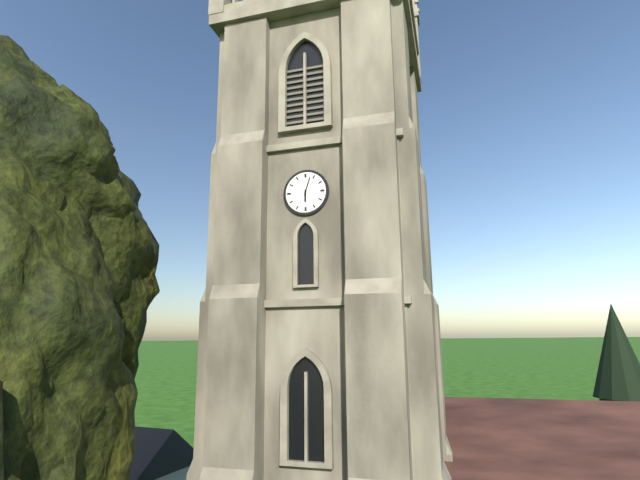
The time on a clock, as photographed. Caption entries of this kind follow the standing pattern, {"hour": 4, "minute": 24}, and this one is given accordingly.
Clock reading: {"hour": 6, "minute": 3}
